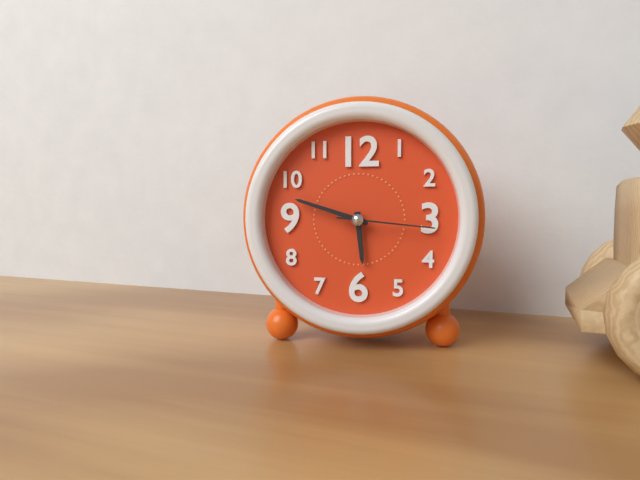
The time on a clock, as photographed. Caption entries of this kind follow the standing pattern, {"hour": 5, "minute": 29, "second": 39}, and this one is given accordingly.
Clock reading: {"hour": 5, "minute": 48, "second": 16}
